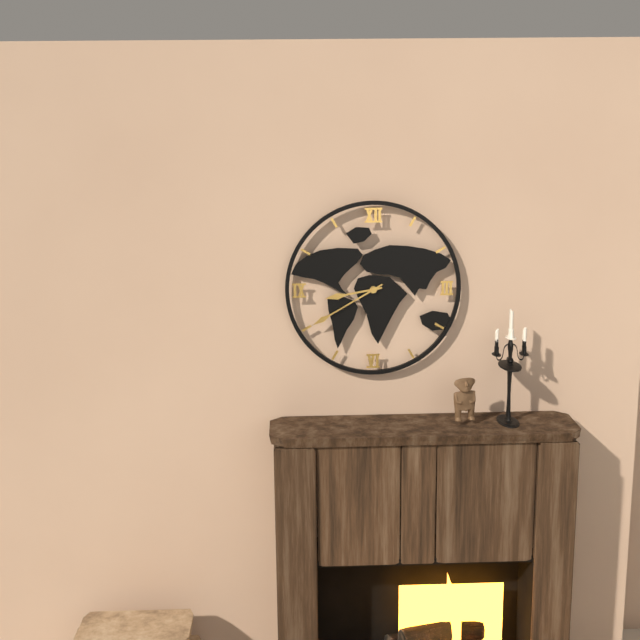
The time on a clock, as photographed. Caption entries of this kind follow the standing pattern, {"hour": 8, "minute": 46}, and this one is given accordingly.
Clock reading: {"hour": 8, "minute": 40}
